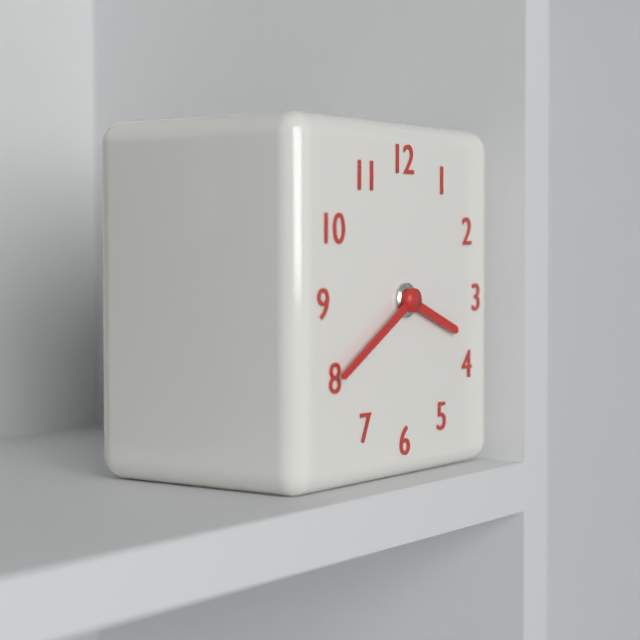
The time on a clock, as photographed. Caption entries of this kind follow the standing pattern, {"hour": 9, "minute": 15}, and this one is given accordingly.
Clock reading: {"hour": 3, "minute": 40}
